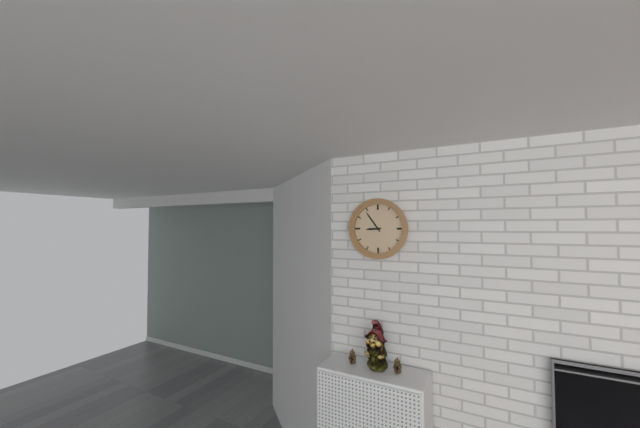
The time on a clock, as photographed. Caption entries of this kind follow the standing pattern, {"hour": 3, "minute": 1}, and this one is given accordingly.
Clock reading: {"hour": 8, "minute": 54}
